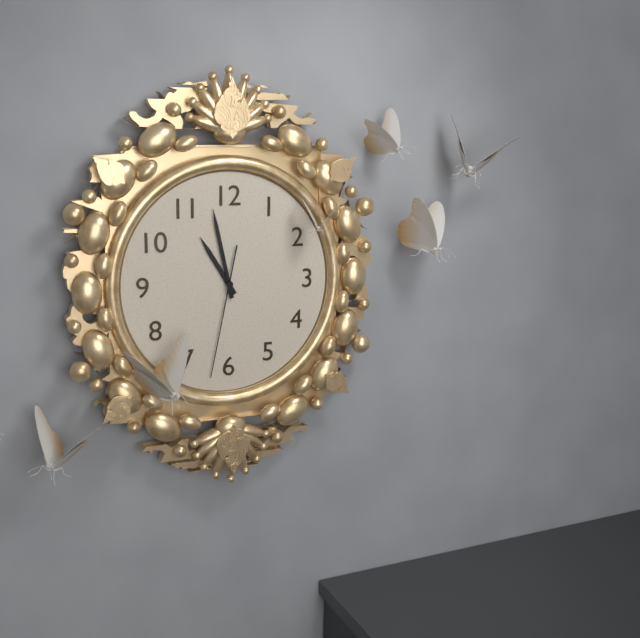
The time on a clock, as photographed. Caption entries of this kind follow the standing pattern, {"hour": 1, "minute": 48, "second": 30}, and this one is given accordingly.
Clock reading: {"hour": 10, "minute": 58, "second": 32}
